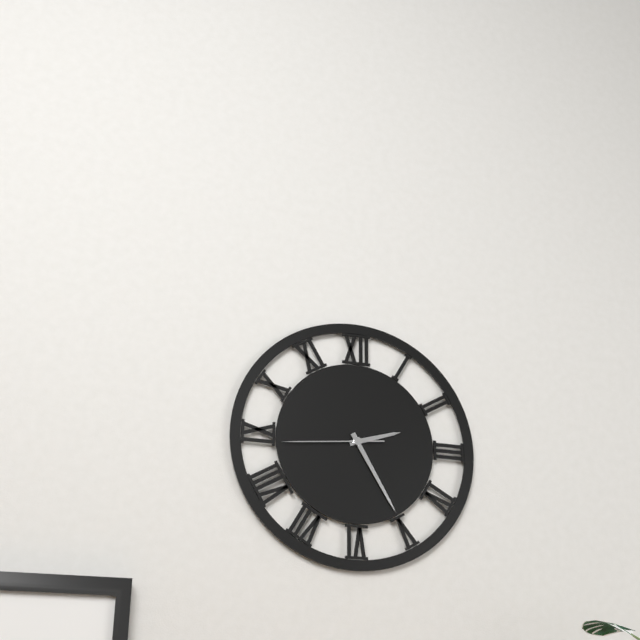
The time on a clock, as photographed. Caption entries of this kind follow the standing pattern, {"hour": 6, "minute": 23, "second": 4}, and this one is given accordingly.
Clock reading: {"hour": 2, "minute": 25, "second": 44}
